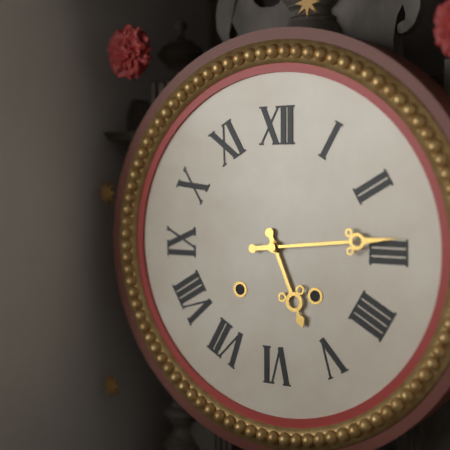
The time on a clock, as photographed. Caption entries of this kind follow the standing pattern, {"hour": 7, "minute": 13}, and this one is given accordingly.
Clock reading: {"hour": 5, "minute": 14}
